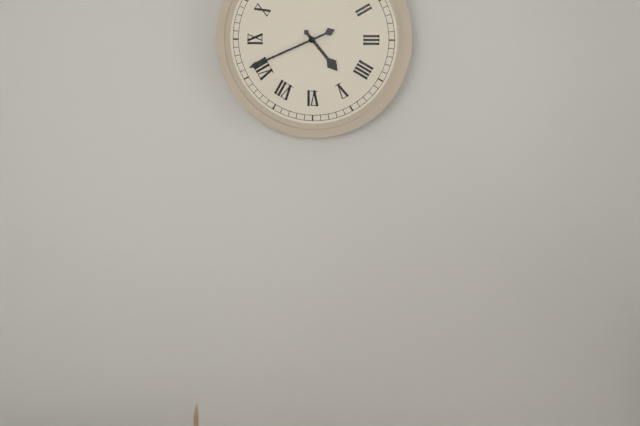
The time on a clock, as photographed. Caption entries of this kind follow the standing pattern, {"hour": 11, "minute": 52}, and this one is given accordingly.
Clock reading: {"hour": 4, "minute": 41}
